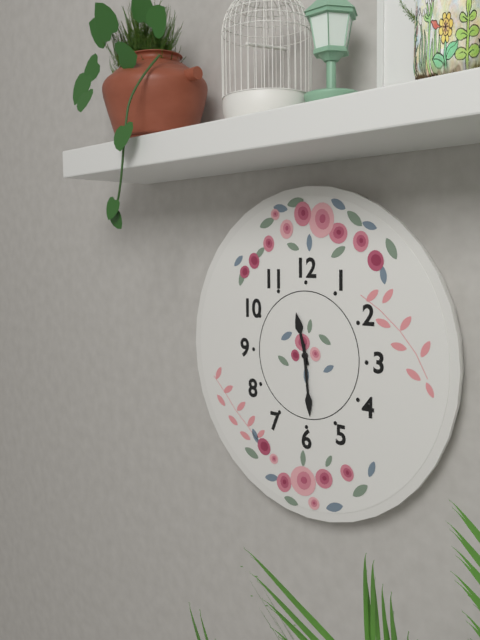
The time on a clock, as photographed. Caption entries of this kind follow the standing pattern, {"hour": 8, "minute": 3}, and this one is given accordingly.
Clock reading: {"hour": 11, "minute": 29}
